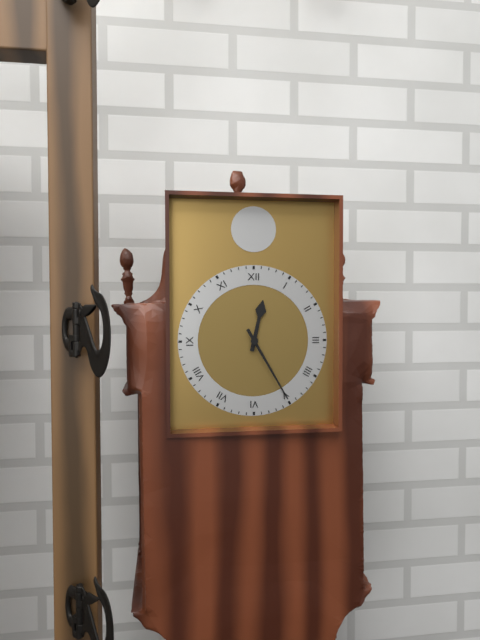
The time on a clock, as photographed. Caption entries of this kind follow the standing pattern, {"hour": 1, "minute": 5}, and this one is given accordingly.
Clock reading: {"hour": 12, "minute": 25}
